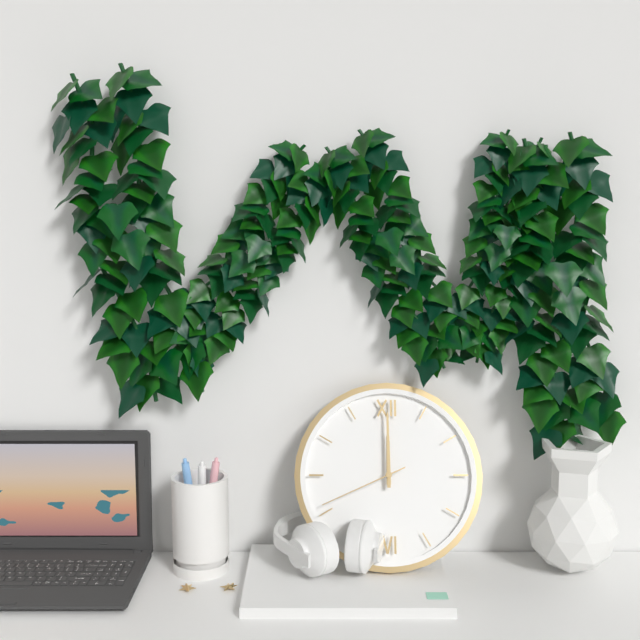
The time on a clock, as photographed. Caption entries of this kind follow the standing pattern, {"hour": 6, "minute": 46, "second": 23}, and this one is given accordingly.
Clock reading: {"hour": 12, "minute": 0, "second": 41}
